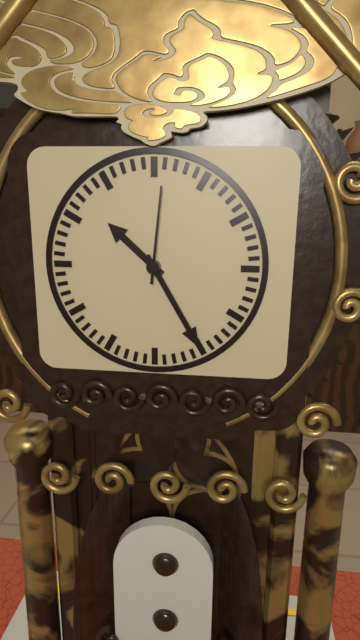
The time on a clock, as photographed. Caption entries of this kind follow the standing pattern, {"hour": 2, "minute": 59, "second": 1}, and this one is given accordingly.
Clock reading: {"hour": 10, "minute": 25, "second": 1}
